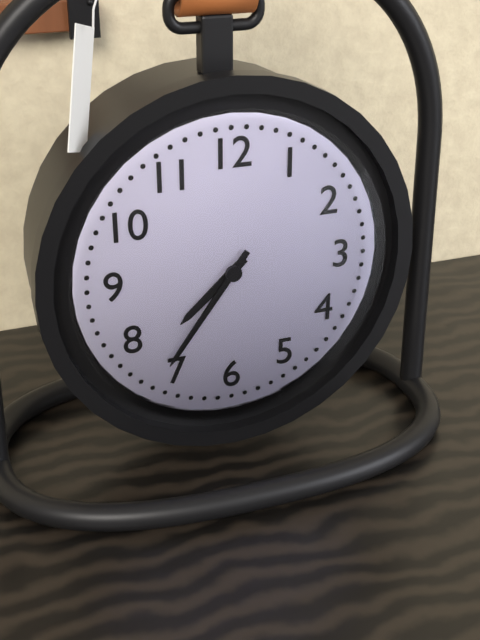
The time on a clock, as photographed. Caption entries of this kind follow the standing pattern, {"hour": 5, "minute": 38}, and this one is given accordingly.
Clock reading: {"hour": 7, "minute": 36}
